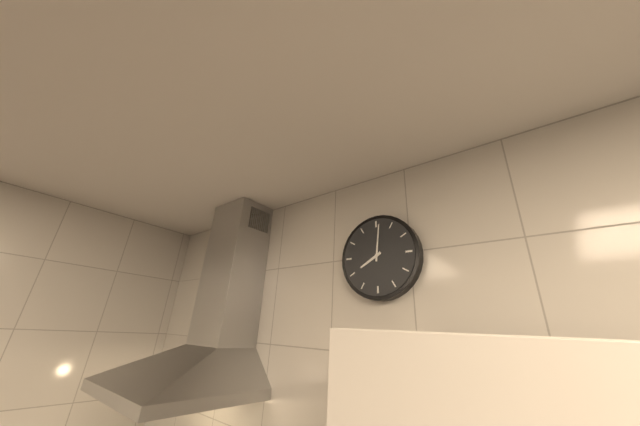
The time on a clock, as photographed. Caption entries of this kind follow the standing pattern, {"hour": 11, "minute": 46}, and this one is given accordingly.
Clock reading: {"hour": 8, "minute": 1}
